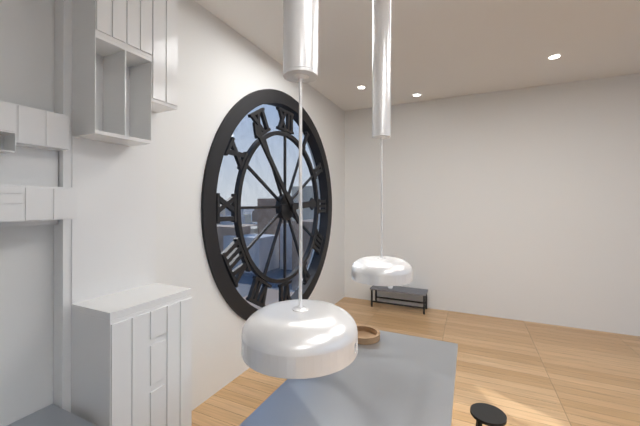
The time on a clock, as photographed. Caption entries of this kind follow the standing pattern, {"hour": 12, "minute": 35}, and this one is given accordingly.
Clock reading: {"hour": 2, "minute": 53}
